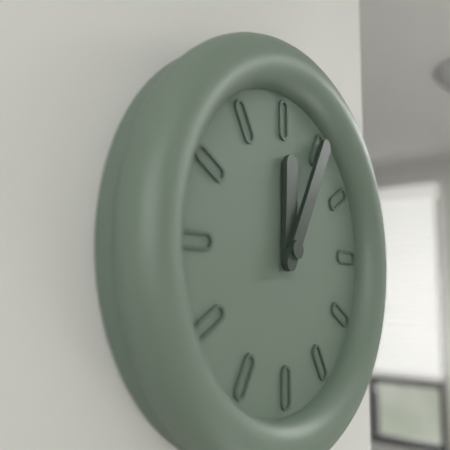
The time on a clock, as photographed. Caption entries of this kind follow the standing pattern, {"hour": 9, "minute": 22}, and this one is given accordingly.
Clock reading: {"hour": 12, "minute": 5}
